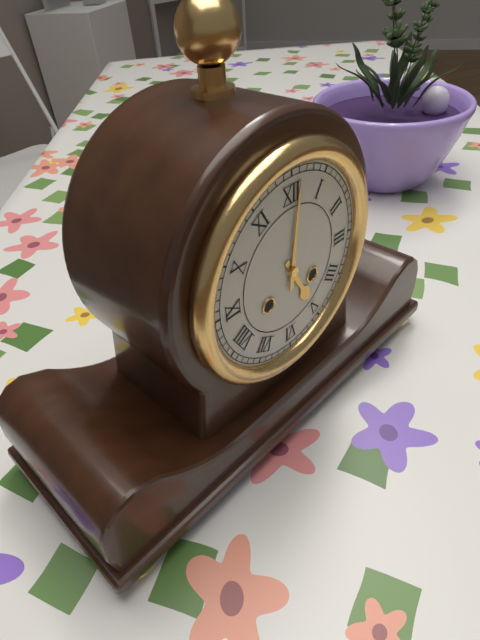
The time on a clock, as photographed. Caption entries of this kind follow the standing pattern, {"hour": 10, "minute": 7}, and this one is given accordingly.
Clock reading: {"hour": 5, "minute": 1}
